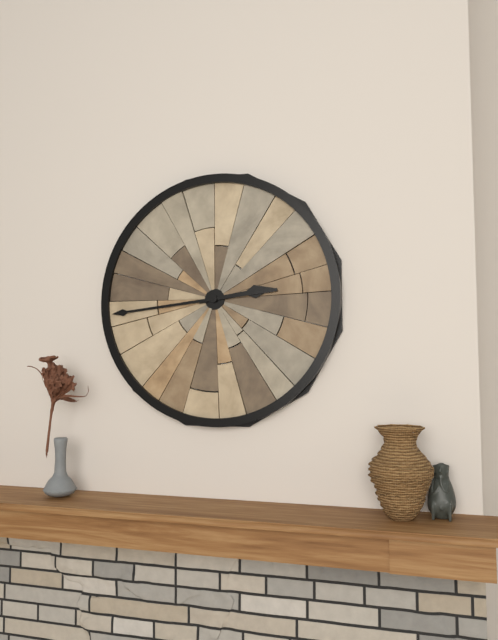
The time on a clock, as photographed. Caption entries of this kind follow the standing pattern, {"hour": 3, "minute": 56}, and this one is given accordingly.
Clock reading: {"hour": 2, "minute": 44}
